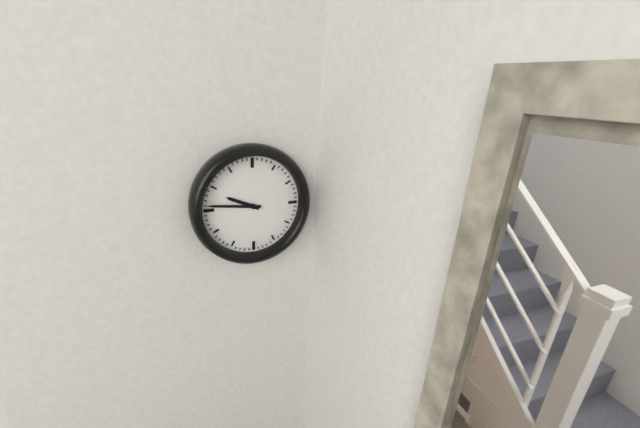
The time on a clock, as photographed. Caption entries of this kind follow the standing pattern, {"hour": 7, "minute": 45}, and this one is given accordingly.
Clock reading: {"hour": 9, "minute": 46}
